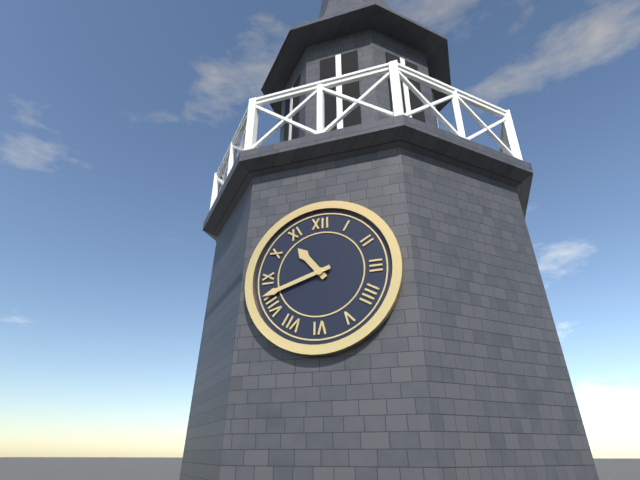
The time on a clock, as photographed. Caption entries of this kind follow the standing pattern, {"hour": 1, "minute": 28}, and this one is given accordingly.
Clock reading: {"hour": 10, "minute": 42}
